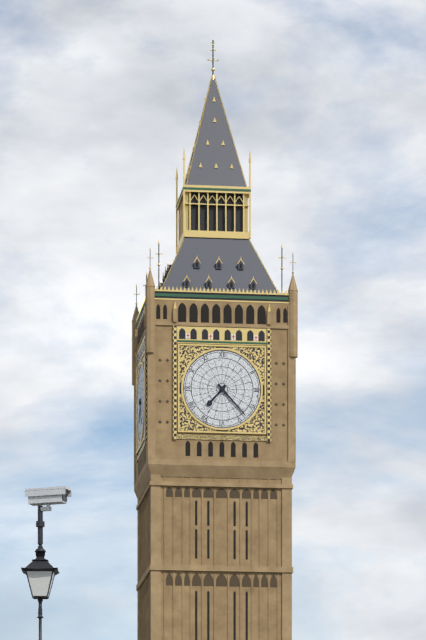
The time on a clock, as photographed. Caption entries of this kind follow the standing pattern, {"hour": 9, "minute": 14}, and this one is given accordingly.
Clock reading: {"hour": 7, "minute": 23}
